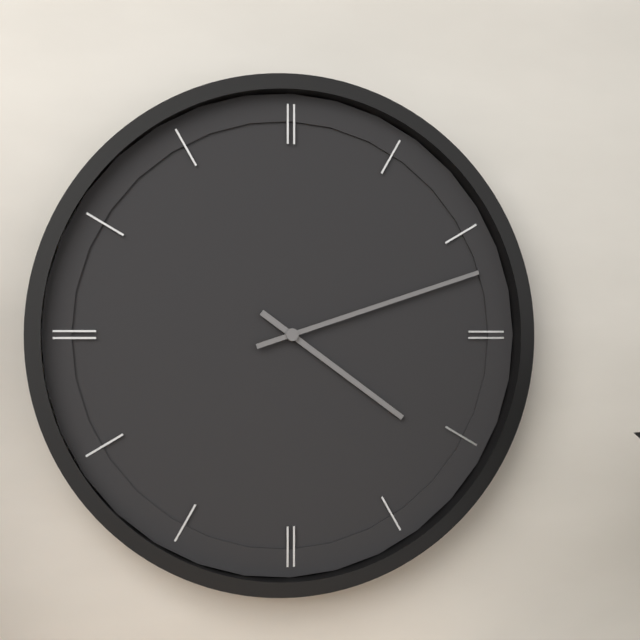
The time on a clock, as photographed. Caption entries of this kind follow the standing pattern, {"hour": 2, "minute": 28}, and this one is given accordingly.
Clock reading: {"hour": 4, "minute": 12}
